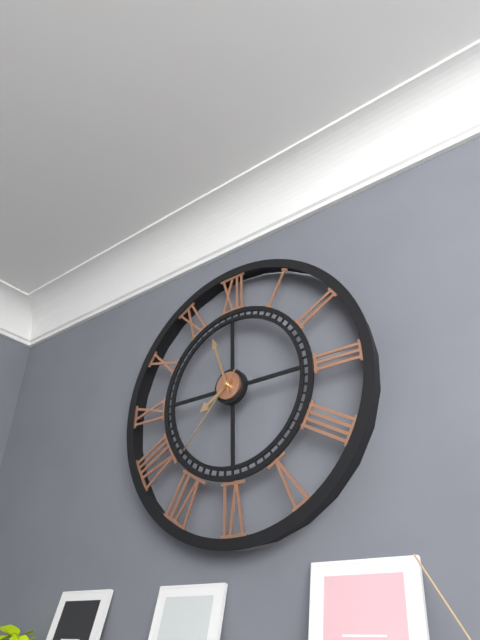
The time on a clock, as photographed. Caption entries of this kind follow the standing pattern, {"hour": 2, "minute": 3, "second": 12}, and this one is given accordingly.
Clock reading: {"hour": 7, "minute": 57, "second": 37}
